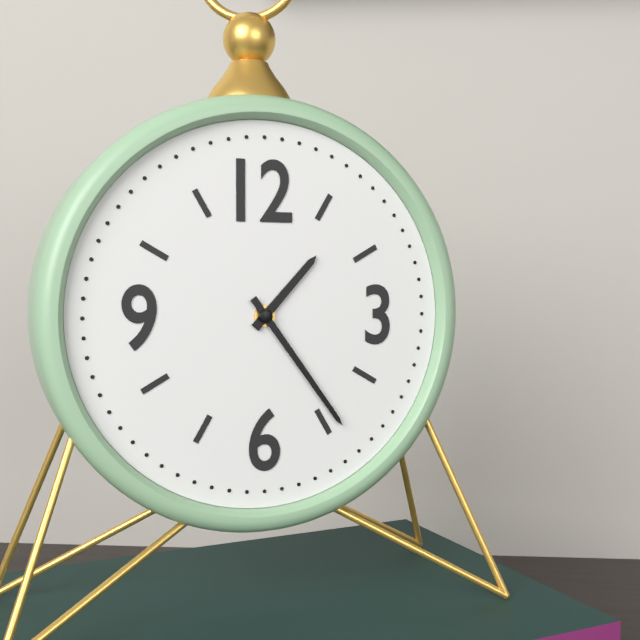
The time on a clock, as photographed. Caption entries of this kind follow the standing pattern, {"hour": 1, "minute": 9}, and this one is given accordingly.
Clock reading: {"hour": 1, "minute": 24}
